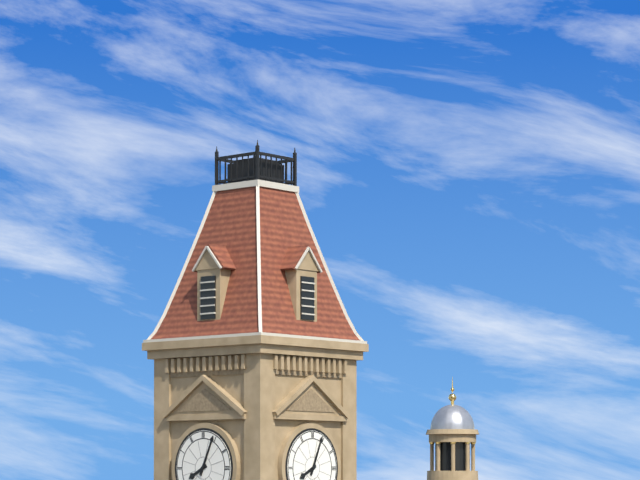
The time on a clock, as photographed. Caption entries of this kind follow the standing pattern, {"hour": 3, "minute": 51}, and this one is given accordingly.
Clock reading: {"hour": 8, "minute": 4}
